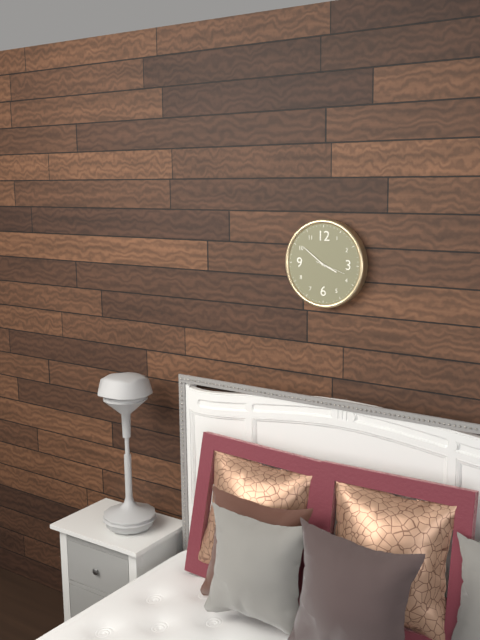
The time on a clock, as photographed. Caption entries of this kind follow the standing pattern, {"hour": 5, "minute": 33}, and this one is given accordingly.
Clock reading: {"hour": 3, "minute": 51}
